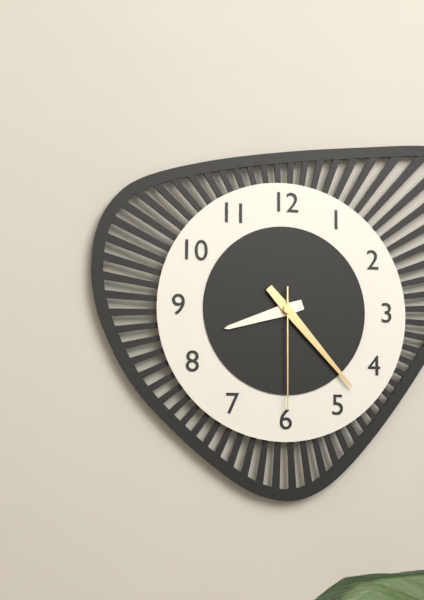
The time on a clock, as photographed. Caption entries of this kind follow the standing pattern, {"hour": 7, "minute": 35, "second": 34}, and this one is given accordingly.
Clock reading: {"hour": 8, "minute": 23, "second": 30}
